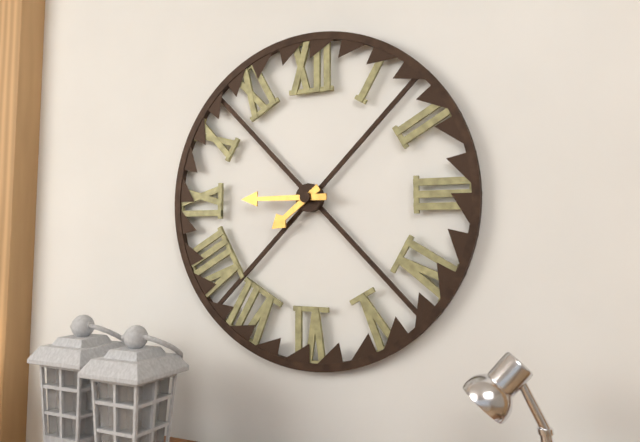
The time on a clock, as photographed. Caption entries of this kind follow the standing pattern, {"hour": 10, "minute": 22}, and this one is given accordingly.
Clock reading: {"hour": 7, "minute": 45}
